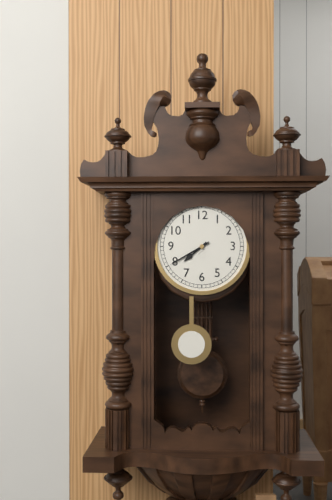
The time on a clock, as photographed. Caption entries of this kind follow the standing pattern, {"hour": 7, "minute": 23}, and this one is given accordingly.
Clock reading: {"hour": 7, "minute": 40}
